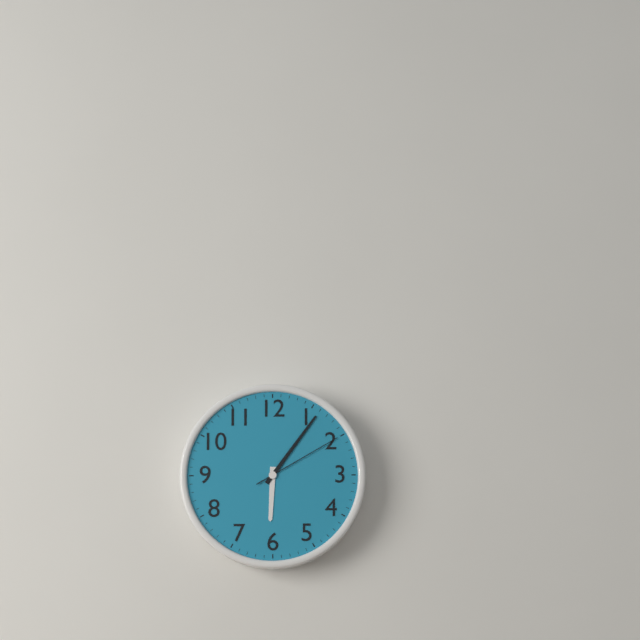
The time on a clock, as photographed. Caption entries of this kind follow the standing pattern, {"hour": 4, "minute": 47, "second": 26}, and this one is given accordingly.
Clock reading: {"hour": 6, "minute": 6, "second": 10}
